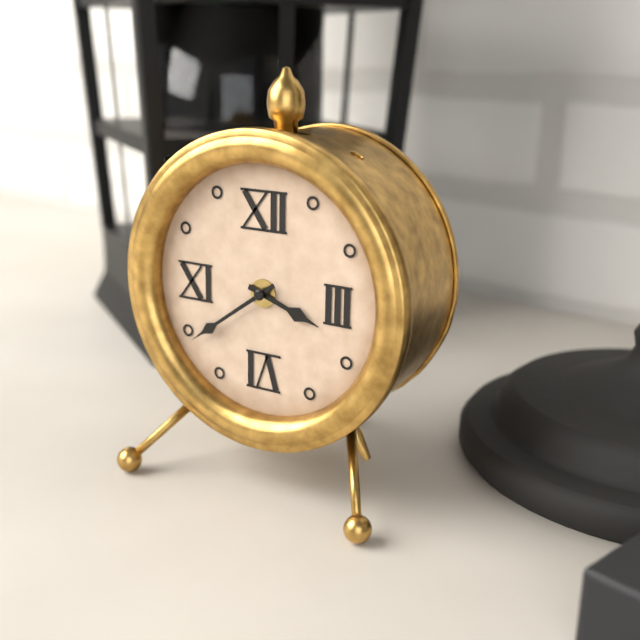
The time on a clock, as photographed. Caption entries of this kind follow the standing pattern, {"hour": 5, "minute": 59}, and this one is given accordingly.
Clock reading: {"hour": 3, "minute": 39}
